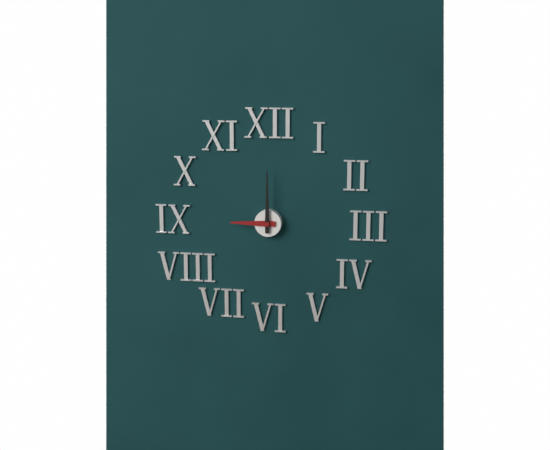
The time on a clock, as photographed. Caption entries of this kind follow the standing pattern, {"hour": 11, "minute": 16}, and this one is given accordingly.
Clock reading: {"hour": 9, "minute": 0}
